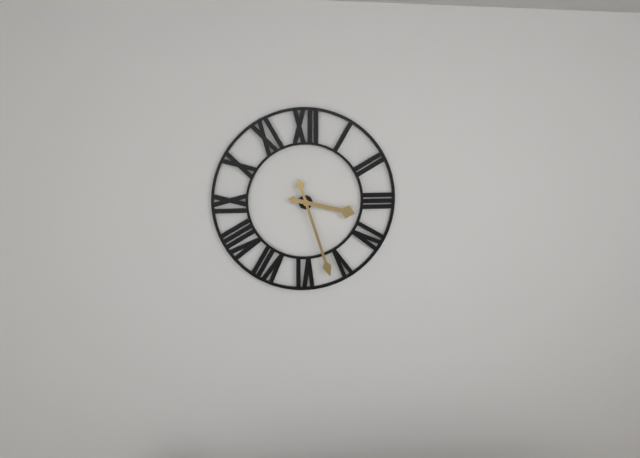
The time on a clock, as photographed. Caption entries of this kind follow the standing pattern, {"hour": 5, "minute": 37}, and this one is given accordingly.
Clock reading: {"hour": 3, "minute": 27}
